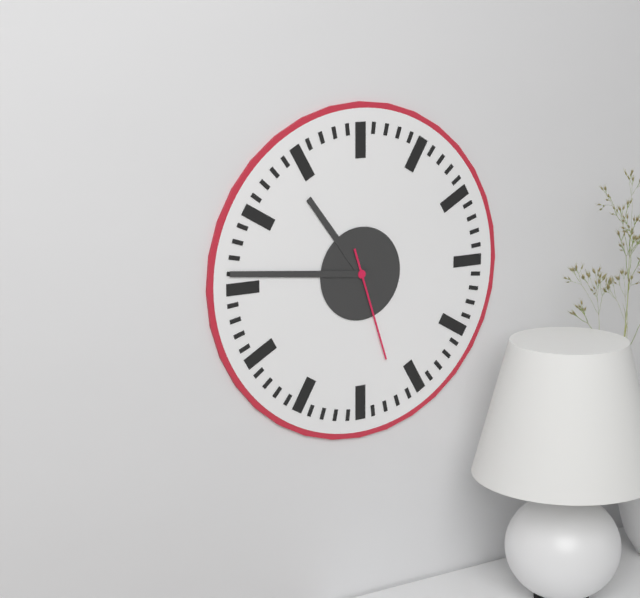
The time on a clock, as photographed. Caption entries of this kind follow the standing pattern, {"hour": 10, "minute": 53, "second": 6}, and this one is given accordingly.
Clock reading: {"hour": 10, "minute": 46, "second": 27}
